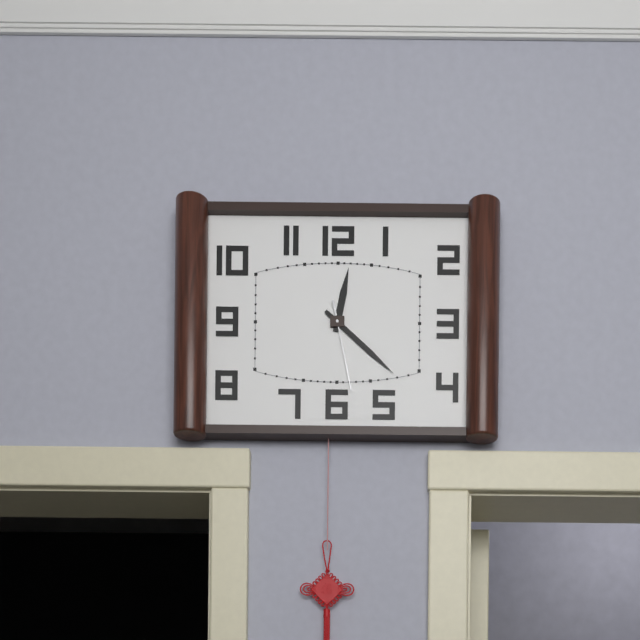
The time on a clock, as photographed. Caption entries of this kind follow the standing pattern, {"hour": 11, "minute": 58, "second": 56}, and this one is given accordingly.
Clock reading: {"hour": 12, "minute": 22, "second": 28}
